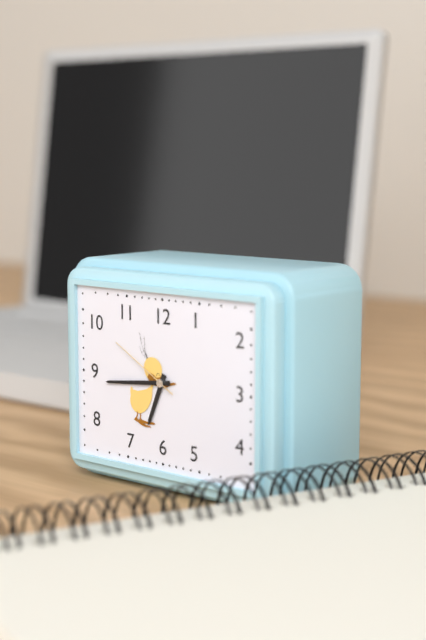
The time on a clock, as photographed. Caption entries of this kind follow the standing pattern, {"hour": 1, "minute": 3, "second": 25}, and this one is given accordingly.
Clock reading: {"hour": 6, "minute": 44, "second": 50}
